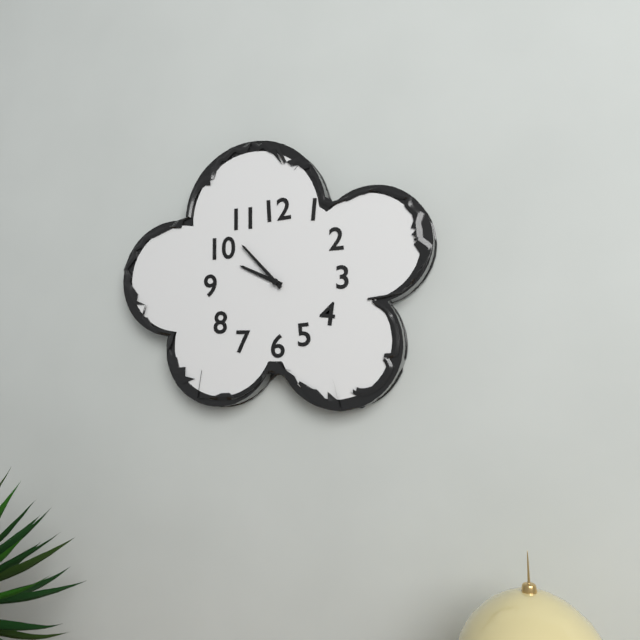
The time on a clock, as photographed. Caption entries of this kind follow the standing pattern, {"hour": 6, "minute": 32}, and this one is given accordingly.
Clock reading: {"hour": 9, "minute": 53}
